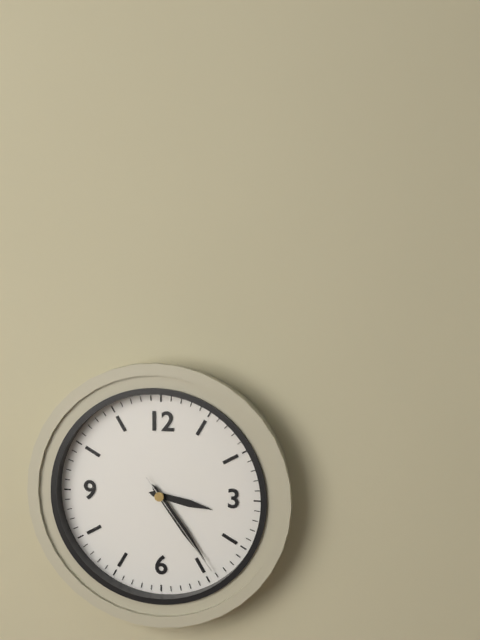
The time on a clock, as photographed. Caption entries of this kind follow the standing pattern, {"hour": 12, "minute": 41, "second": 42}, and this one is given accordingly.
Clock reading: {"hour": 3, "minute": 24, "second": 24}
